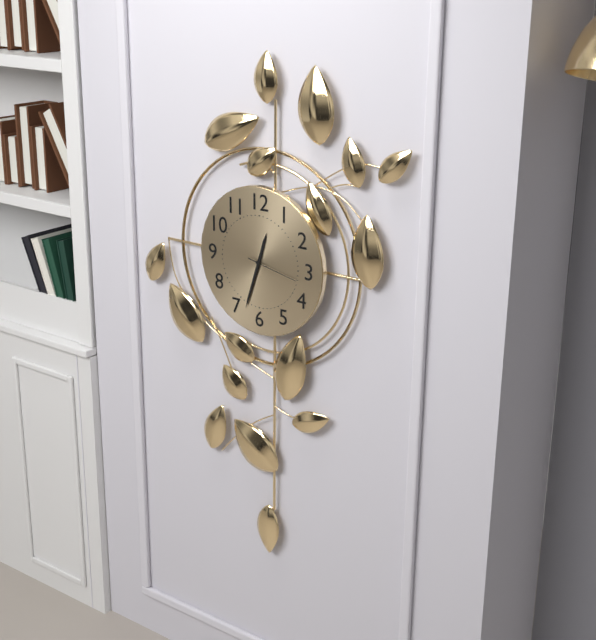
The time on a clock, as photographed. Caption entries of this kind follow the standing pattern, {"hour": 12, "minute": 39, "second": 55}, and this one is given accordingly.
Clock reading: {"hour": 12, "minute": 33, "second": 17}
